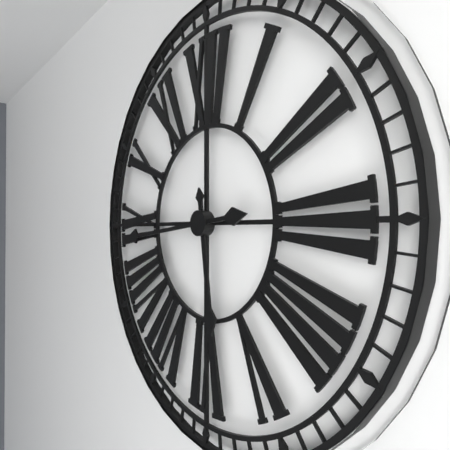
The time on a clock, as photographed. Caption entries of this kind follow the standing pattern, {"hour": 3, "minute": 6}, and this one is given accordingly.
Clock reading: {"hour": 5, "minute": 44}
